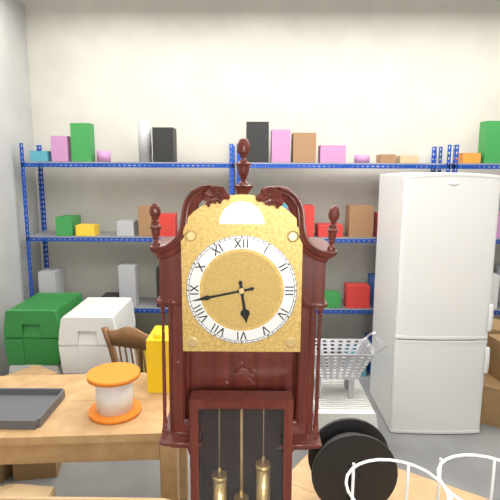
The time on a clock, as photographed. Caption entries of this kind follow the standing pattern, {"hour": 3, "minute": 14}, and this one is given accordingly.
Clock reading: {"hour": 5, "minute": 43}
